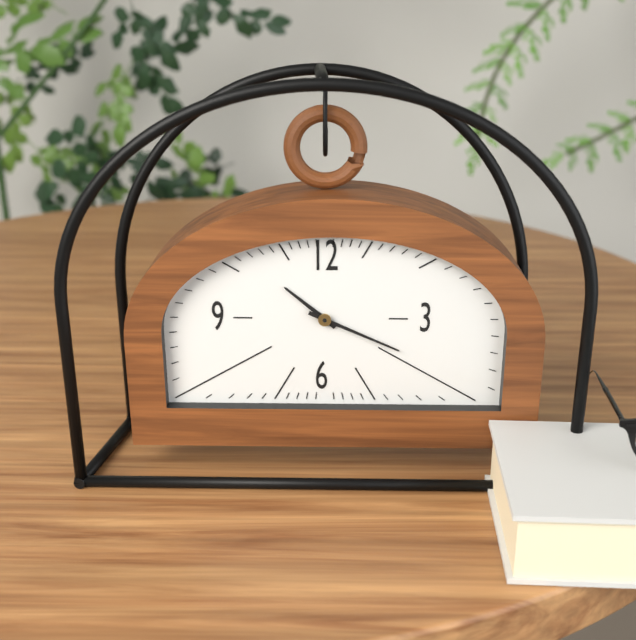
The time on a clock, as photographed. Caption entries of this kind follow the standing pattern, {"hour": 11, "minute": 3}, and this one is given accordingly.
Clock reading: {"hour": 10, "minute": 19}
